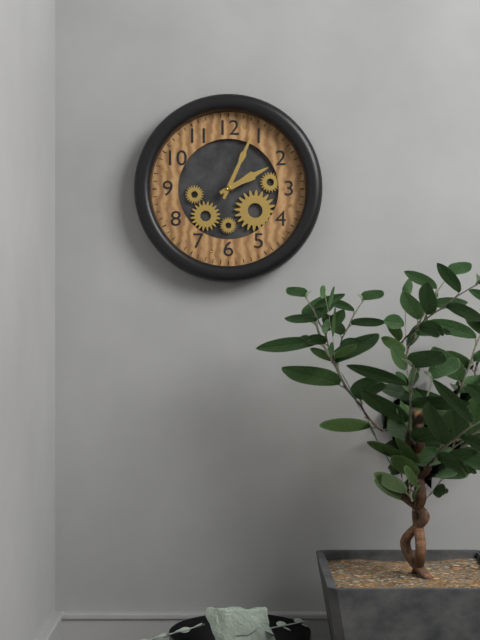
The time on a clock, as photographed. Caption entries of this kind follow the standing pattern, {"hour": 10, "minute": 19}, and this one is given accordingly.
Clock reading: {"hour": 2, "minute": 4}
